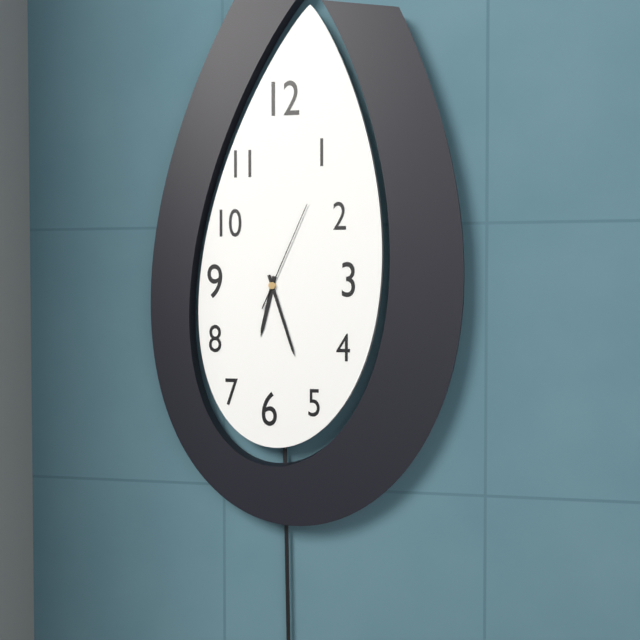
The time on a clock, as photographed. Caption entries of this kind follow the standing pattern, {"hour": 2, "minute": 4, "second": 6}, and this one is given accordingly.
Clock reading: {"hour": 6, "minute": 27, "second": 4}
